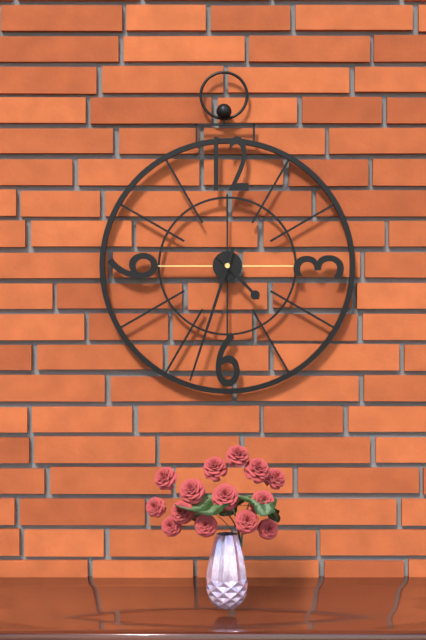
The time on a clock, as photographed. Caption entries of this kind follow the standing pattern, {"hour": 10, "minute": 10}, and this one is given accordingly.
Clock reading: {"hour": 4, "minute": 33}
